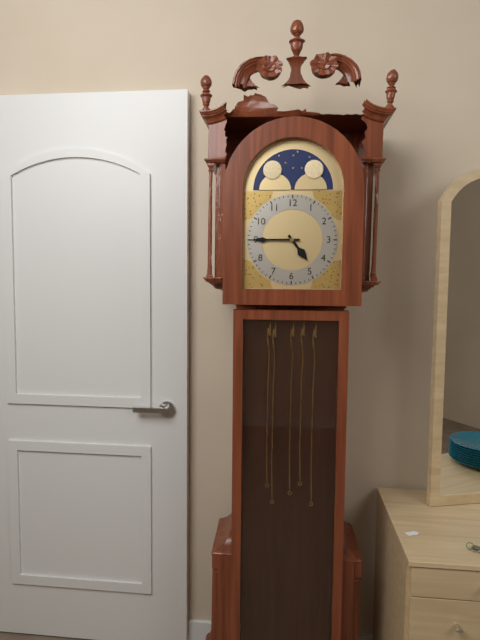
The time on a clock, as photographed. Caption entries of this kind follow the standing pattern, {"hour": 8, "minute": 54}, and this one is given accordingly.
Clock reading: {"hour": 4, "minute": 45}
